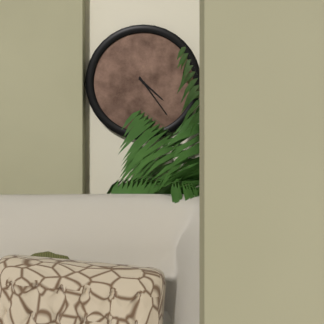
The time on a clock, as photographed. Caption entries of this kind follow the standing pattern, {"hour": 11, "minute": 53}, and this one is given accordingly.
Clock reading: {"hour": 4, "minute": 24}
